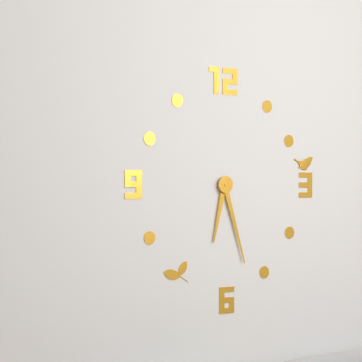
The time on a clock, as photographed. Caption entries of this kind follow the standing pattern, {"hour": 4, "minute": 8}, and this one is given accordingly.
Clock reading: {"hour": 6, "minute": 27}
